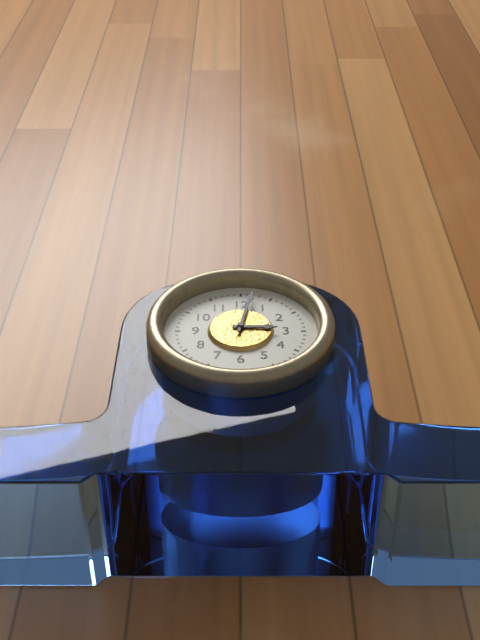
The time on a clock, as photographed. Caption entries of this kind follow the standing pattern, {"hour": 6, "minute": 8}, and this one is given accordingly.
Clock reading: {"hour": 3, "minute": 2}
